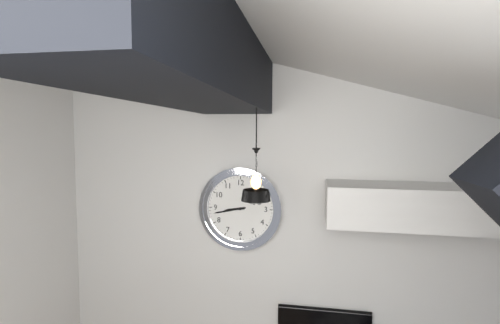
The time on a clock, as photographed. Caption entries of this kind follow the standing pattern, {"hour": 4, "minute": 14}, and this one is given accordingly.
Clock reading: {"hour": 8, "minute": 43}
